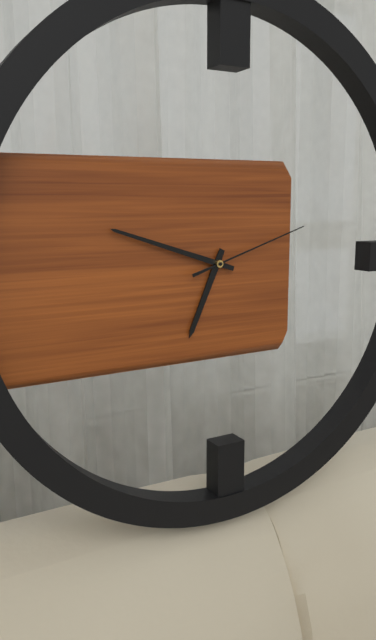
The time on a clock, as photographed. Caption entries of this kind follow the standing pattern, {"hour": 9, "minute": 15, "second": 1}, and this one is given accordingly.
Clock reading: {"hour": 6, "minute": 48, "second": 12}
